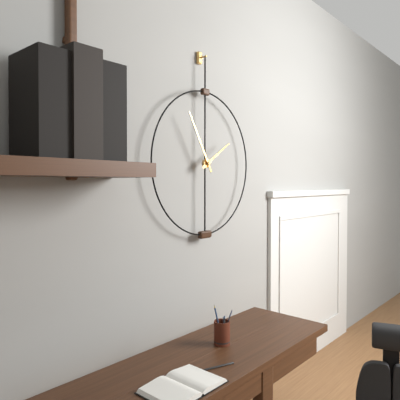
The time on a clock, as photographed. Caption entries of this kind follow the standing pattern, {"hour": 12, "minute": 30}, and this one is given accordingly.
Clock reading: {"hour": 1, "minute": 55}
